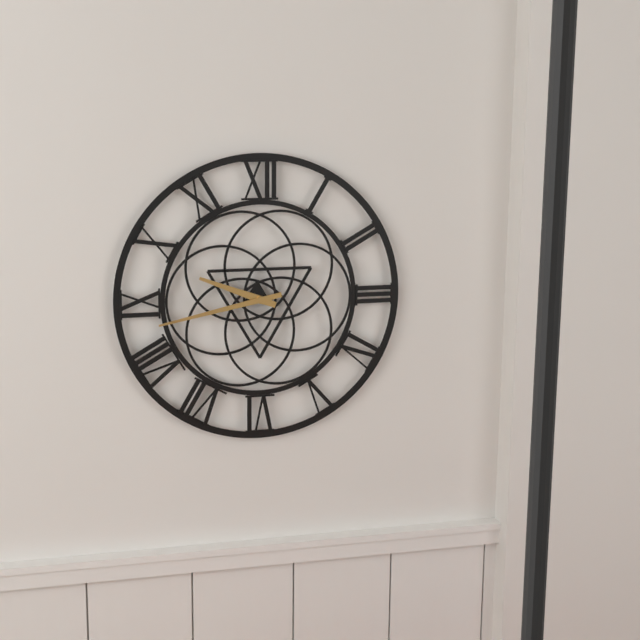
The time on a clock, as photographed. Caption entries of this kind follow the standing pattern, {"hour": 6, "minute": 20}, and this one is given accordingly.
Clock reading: {"hour": 9, "minute": 43}
